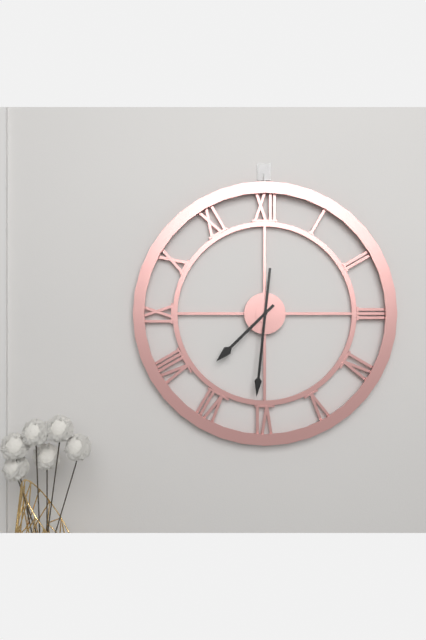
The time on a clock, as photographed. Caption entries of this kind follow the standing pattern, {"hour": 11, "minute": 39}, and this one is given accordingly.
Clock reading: {"hour": 7, "minute": 31}
